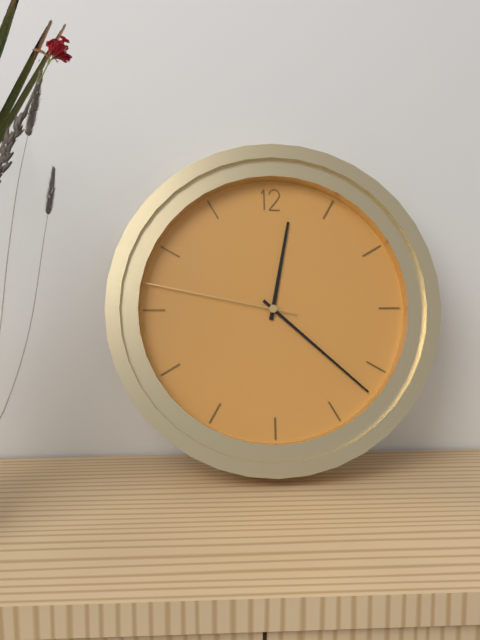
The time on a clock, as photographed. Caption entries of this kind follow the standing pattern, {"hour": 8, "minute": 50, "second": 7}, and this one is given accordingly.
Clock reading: {"hour": 12, "minute": 22, "second": 47}
